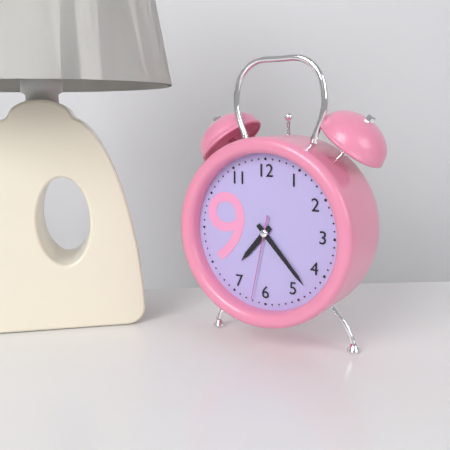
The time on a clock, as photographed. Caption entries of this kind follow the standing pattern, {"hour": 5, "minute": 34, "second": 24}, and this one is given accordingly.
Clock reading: {"hour": 7, "minute": 23, "second": 32}
